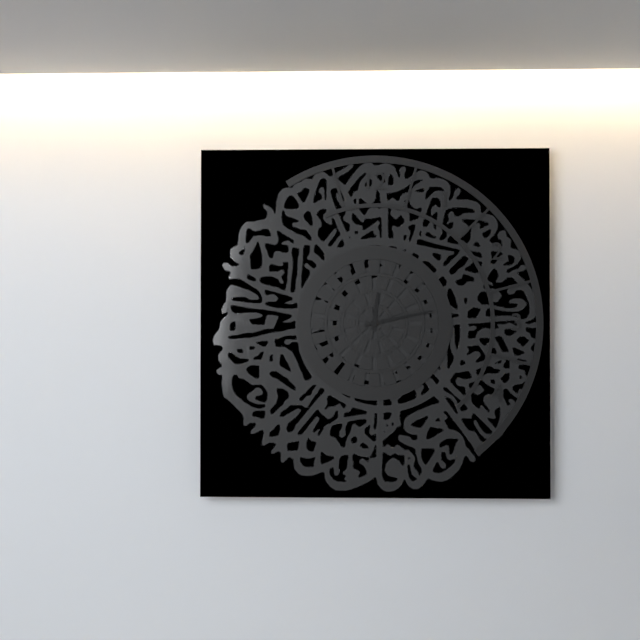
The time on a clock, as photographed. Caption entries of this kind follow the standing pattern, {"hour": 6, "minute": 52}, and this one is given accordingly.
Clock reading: {"hour": 12, "minute": 13}
